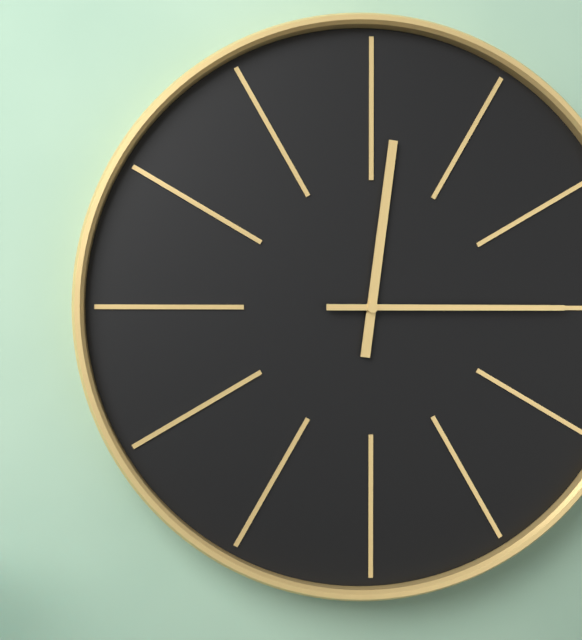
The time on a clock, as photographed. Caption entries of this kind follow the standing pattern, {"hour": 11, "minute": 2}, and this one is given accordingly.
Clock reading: {"hour": 12, "minute": 15}
